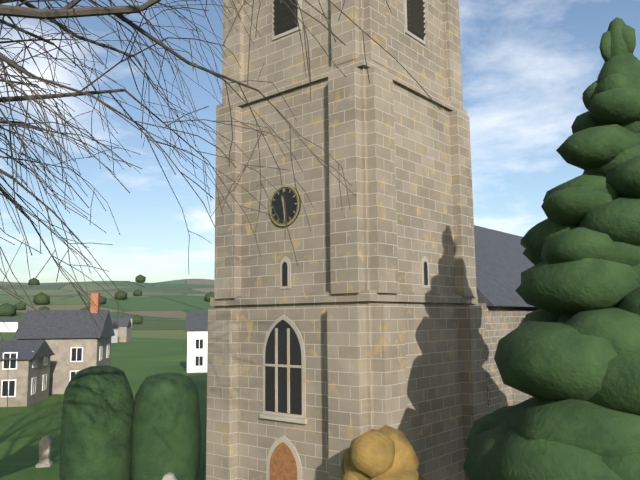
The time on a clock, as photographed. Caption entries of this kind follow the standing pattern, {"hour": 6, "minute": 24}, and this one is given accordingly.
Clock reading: {"hour": 11, "minute": 29}
